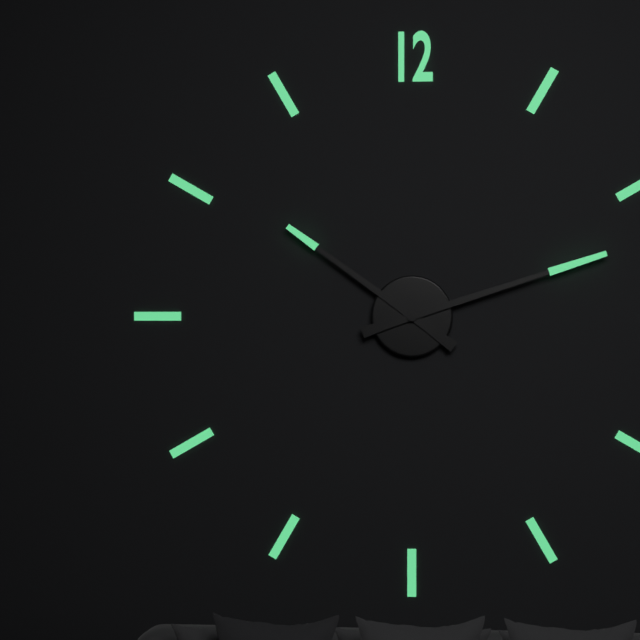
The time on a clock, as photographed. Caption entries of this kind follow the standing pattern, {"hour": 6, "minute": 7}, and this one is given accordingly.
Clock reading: {"hour": 10, "minute": 12}
